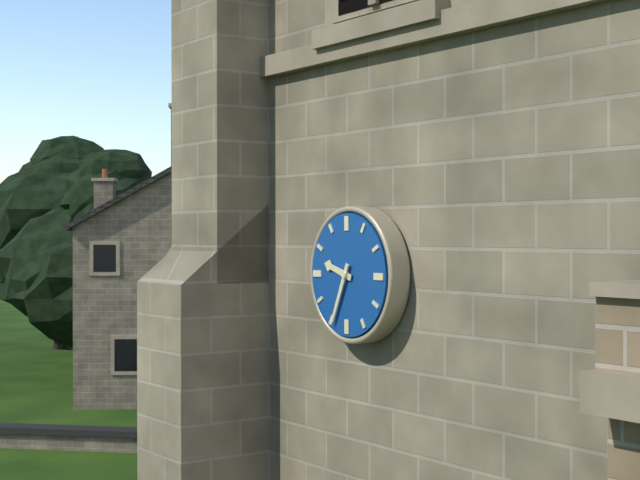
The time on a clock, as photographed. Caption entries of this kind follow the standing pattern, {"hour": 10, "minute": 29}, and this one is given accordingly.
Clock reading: {"hour": 9, "minute": 34}
